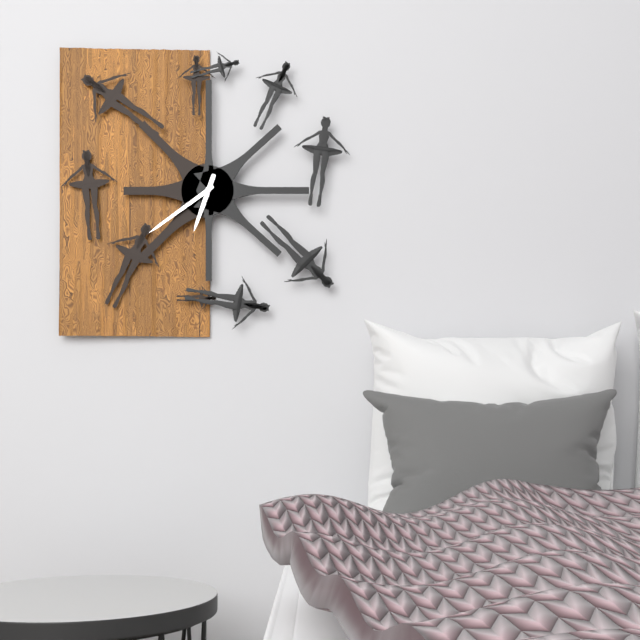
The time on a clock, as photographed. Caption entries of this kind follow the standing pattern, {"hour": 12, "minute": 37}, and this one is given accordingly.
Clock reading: {"hour": 6, "minute": 39}
